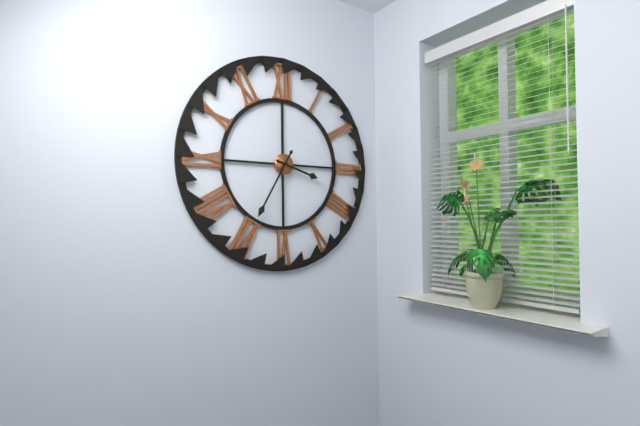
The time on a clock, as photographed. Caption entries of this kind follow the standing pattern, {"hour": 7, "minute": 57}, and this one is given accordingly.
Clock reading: {"hour": 3, "minute": 35}
